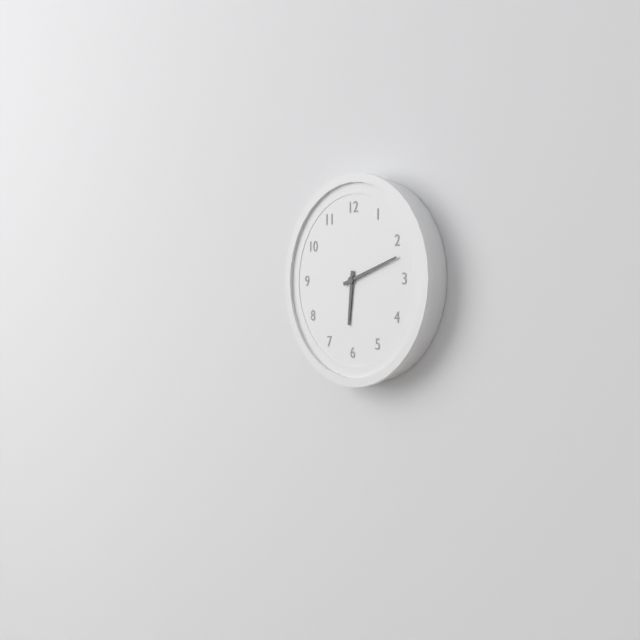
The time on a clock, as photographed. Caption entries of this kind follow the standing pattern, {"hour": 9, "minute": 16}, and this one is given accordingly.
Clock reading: {"hour": 6, "minute": 12}
